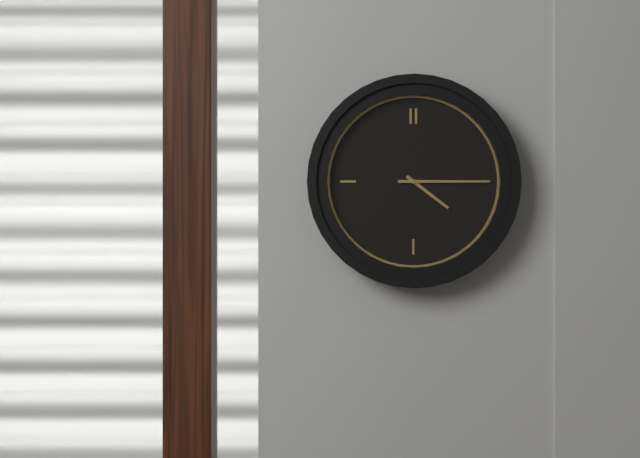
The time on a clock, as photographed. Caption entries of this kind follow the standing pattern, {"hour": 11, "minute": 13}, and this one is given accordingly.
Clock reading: {"hour": 4, "minute": 15}
